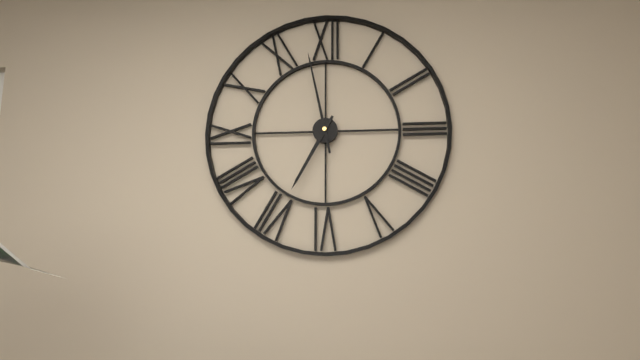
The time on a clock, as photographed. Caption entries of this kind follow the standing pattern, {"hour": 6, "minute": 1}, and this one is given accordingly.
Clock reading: {"hour": 6, "minute": 58}
